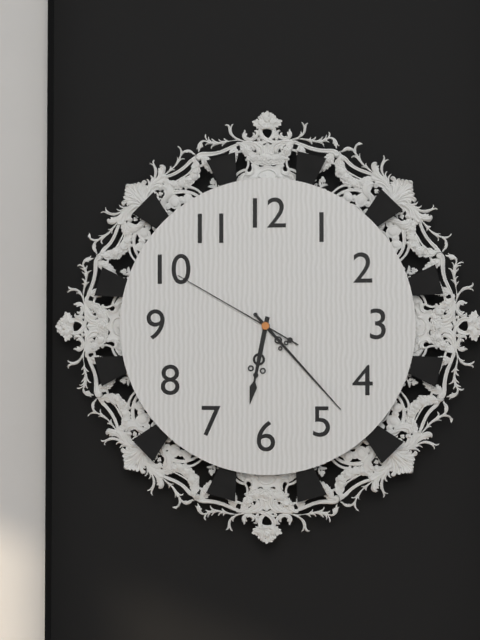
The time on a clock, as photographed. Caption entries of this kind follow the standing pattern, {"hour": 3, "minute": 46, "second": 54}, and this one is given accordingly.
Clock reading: {"hour": 6, "minute": 23, "second": 50}
